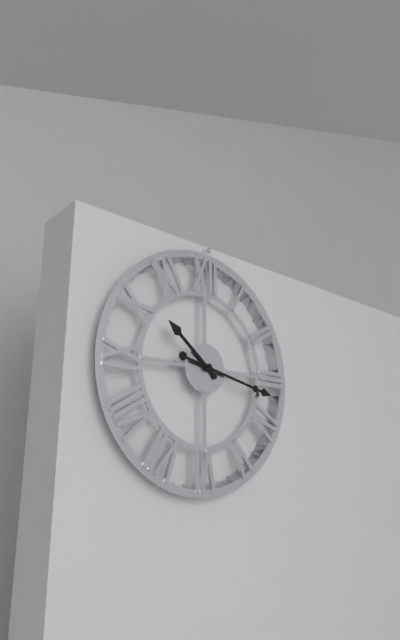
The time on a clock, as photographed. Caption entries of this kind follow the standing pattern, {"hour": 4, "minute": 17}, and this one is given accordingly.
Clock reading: {"hour": 10, "minute": 17}
